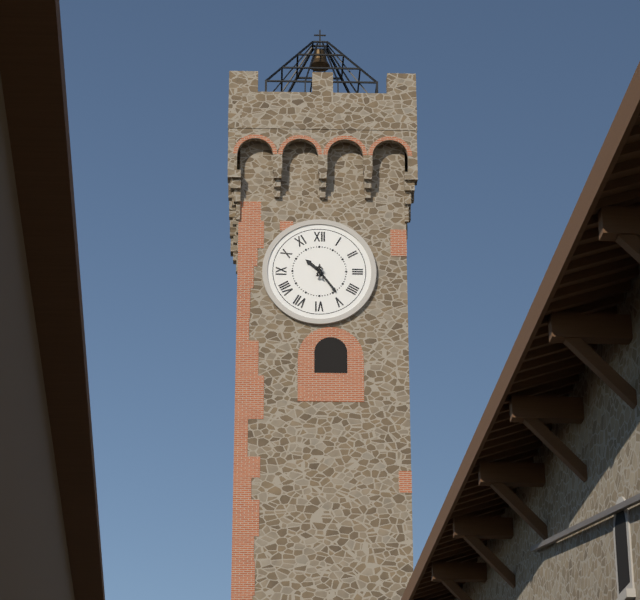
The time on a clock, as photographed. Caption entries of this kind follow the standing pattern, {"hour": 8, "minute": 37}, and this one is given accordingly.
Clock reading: {"hour": 10, "minute": 24}
